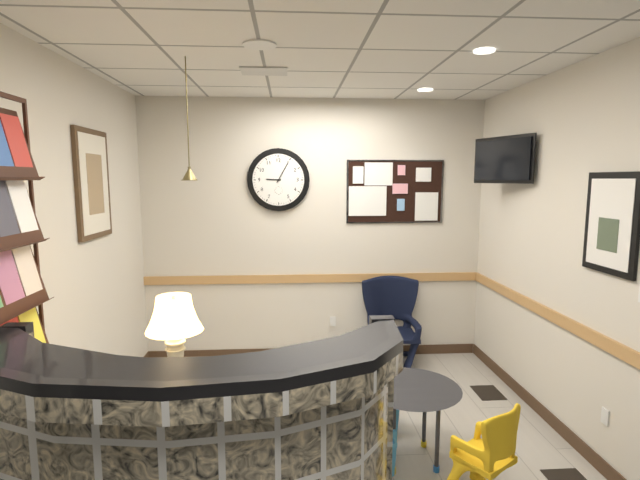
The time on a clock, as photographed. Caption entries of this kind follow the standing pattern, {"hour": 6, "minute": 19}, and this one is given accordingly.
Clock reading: {"hour": 9, "minute": 5}
